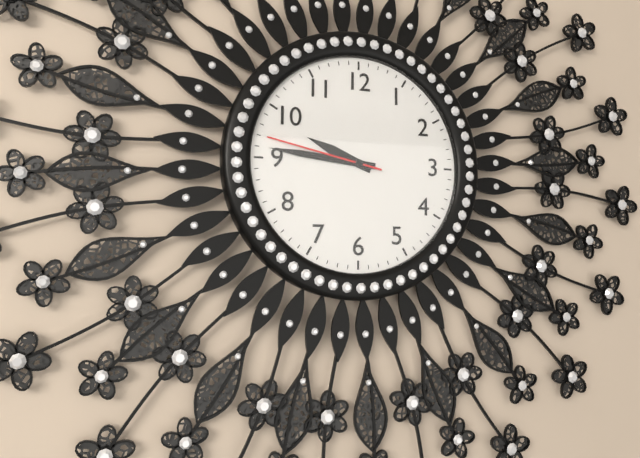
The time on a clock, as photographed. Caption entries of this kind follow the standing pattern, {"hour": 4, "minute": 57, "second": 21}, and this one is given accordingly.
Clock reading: {"hour": 9, "minute": 46, "second": 47}
